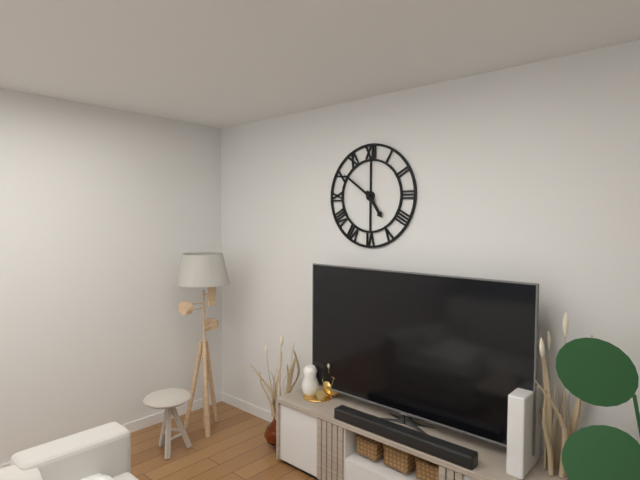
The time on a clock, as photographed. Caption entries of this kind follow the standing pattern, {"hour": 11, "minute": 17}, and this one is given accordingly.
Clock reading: {"hour": 4, "minute": 51}
